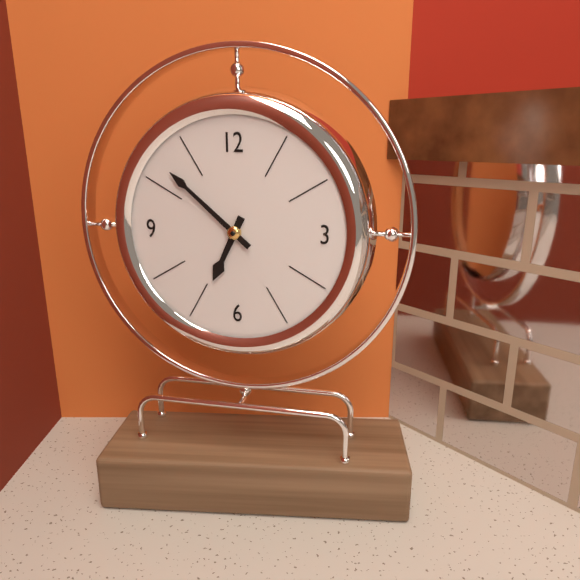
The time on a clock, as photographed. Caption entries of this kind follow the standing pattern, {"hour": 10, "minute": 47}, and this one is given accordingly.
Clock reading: {"hour": 6, "minute": 52}
